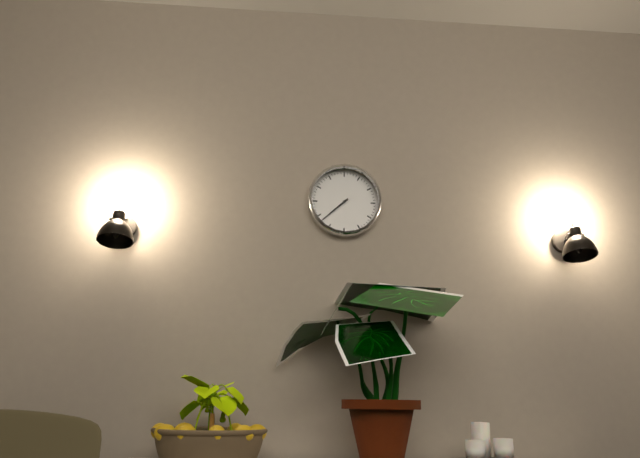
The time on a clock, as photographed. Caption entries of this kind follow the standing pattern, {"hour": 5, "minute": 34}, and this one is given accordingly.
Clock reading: {"hour": 7, "minute": 38}
